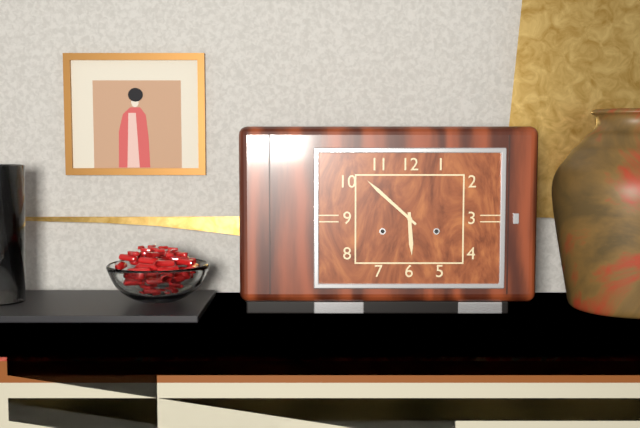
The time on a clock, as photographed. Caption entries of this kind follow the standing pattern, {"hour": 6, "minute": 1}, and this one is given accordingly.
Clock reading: {"hour": 5, "minute": 52}
